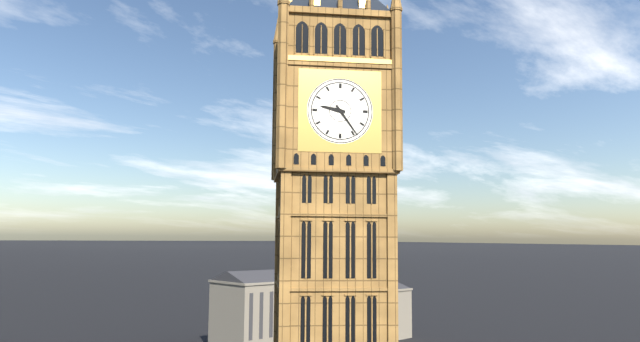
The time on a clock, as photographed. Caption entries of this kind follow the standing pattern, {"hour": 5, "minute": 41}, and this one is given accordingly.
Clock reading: {"hour": 9, "minute": 24}
